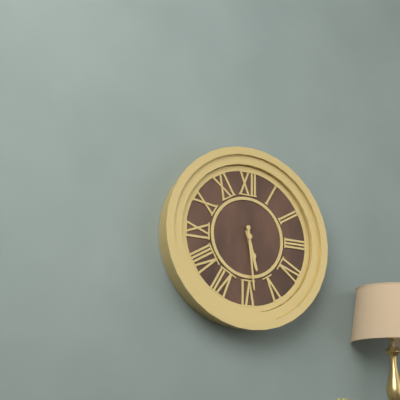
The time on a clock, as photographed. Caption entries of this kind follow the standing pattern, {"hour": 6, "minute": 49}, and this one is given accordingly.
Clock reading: {"hour": 5, "minute": 29}
